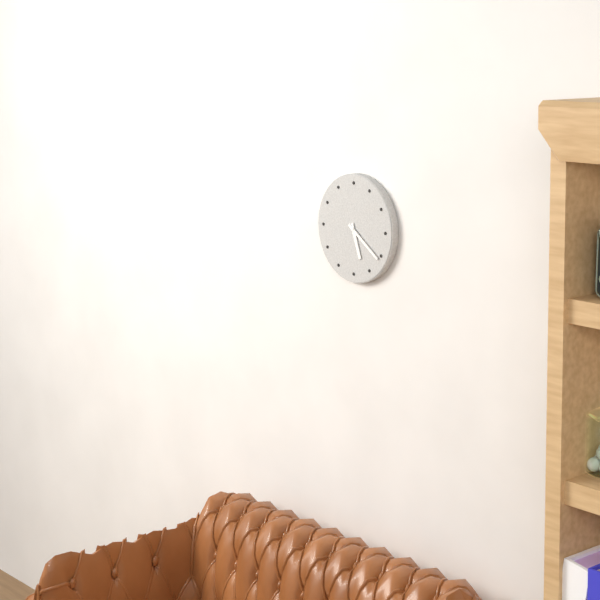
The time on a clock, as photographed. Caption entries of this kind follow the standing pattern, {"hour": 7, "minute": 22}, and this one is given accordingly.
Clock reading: {"hour": 5, "minute": 21}
